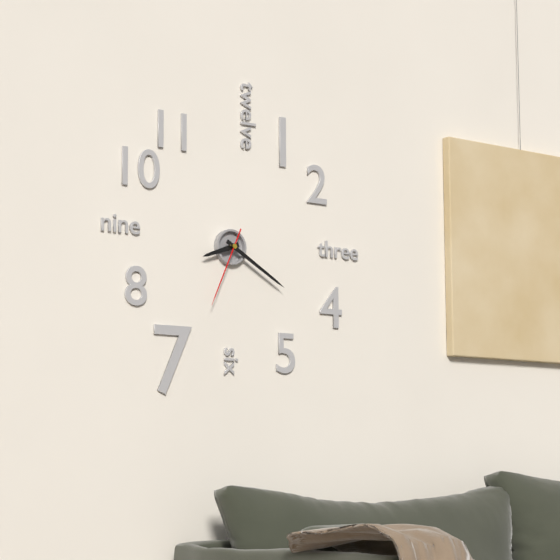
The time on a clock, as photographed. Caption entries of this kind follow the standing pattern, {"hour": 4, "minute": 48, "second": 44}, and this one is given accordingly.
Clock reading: {"hour": 8, "minute": 20, "second": 34}
